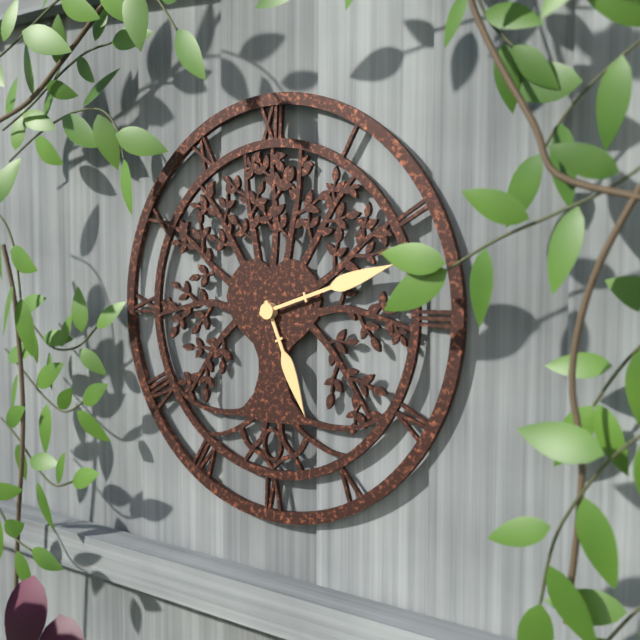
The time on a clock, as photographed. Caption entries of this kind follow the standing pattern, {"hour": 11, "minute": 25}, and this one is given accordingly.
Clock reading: {"hour": 5, "minute": 12}
